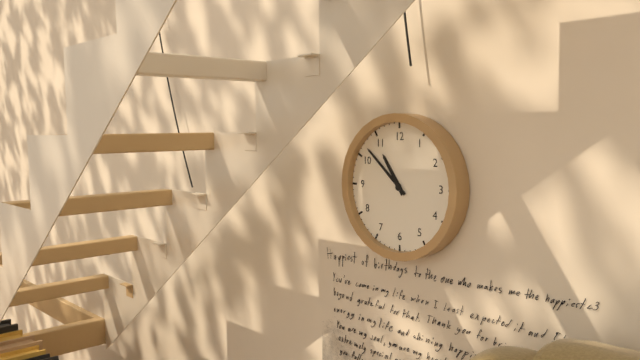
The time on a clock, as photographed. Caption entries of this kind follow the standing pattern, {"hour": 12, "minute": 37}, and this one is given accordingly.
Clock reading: {"hour": 10, "minute": 52}
